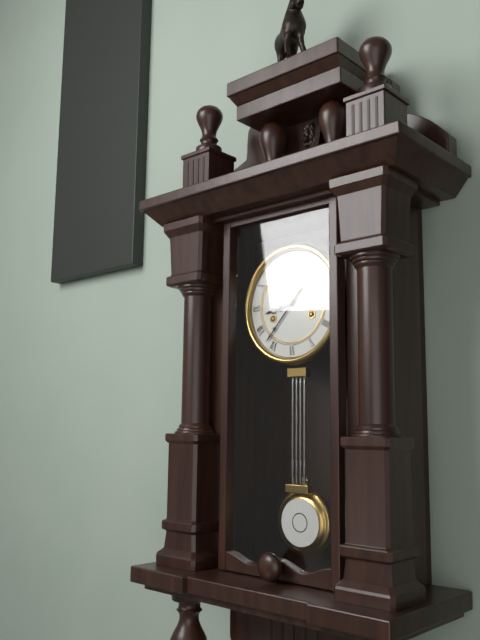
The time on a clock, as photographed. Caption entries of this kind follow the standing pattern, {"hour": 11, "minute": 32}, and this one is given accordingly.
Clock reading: {"hour": 8, "minute": 37}
